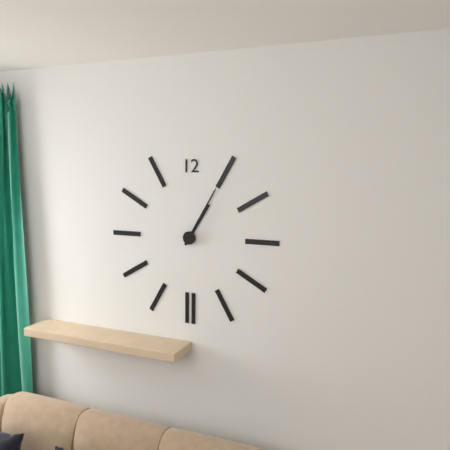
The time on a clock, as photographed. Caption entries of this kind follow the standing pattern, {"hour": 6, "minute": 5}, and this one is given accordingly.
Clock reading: {"hour": 1, "minute": 5}
